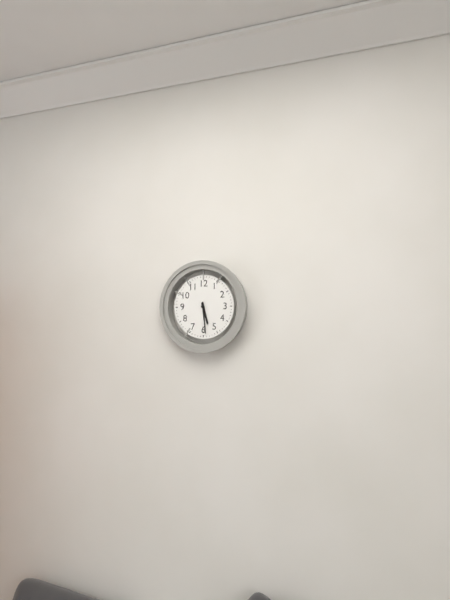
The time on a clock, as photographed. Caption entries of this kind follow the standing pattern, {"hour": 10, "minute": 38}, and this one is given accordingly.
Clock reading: {"hour": 5, "minute": 29}
